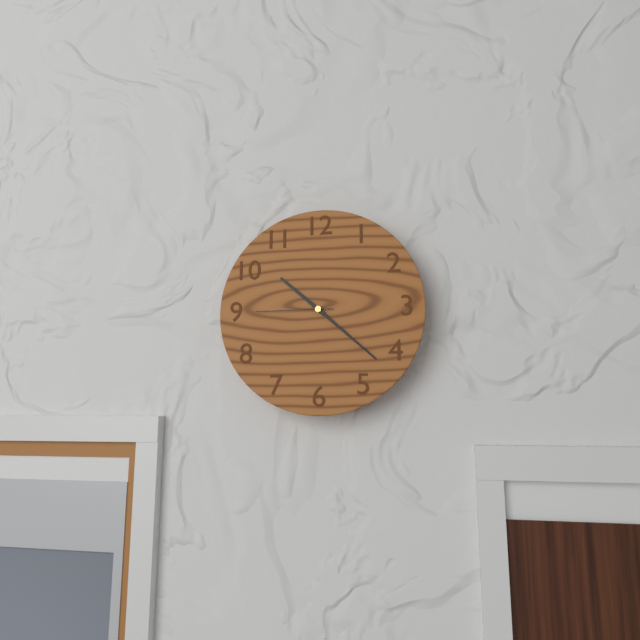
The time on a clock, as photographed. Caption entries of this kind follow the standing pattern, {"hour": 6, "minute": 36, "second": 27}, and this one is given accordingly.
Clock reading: {"hour": 10, "minute": 22, "second": 45}
